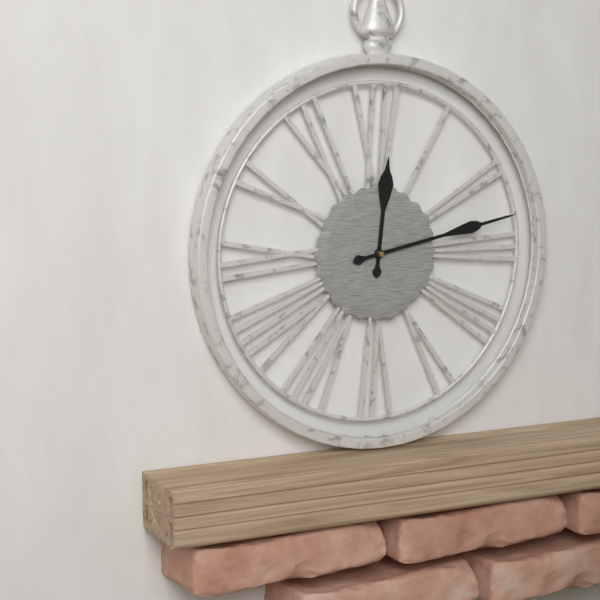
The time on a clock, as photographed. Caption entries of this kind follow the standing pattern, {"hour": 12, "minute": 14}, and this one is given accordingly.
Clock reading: {"hour": 12, "minute": 13}
